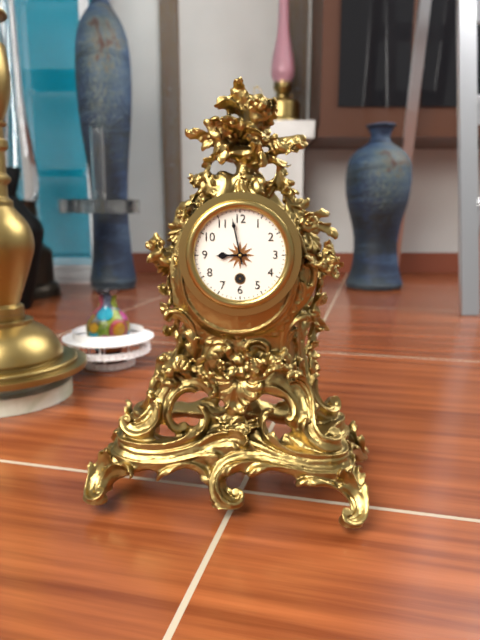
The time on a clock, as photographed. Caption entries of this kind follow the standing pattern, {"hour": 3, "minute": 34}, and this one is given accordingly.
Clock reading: {"hour": 8, "minute": 58}
